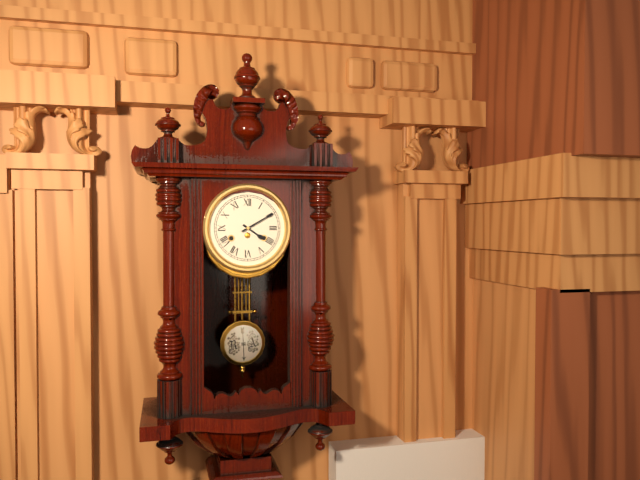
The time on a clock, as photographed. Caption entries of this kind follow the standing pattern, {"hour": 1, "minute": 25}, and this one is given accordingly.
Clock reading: {"hour": 4, "minute": 10}
